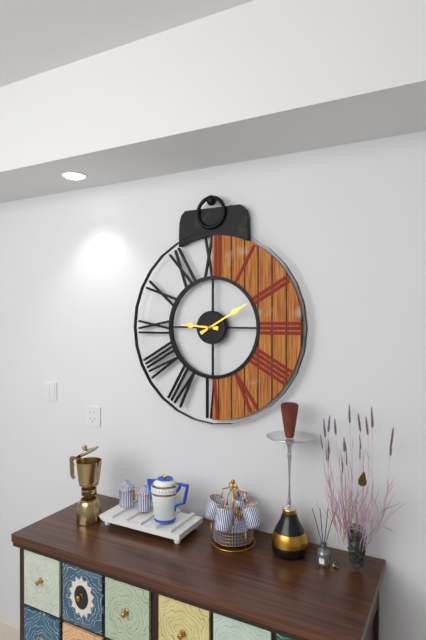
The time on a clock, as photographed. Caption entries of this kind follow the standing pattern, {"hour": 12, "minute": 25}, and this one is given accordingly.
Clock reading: {"hour": 9, "minute": 10}
